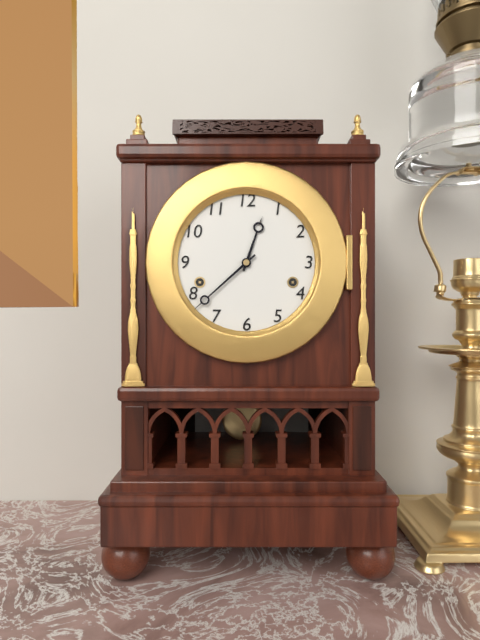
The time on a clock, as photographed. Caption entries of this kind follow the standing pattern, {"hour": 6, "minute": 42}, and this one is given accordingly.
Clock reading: {"hour": 12, "minute": 38}
